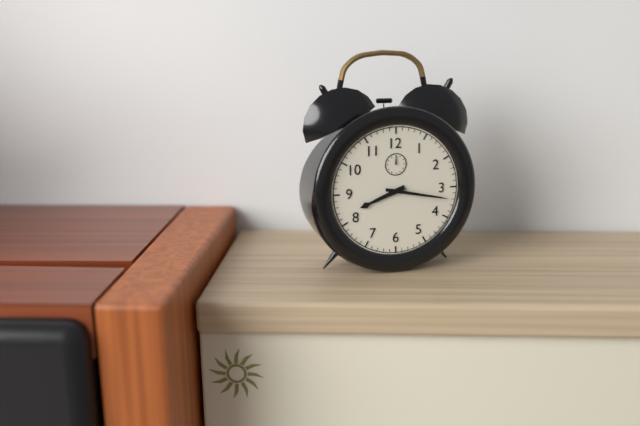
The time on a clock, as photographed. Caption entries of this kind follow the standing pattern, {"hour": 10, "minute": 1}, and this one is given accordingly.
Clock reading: {"hour": 8, "minute": 17}
